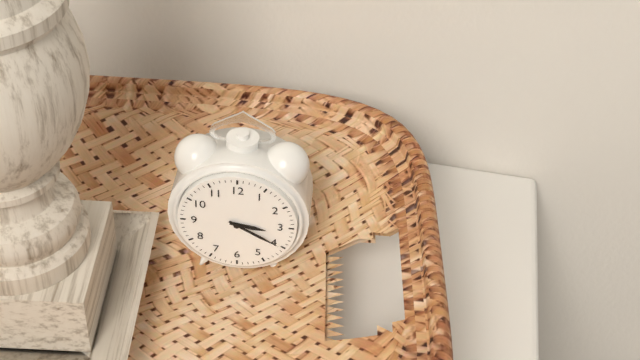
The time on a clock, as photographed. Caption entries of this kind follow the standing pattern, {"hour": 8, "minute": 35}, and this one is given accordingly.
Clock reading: {"hour": 3, "minute": 20}
